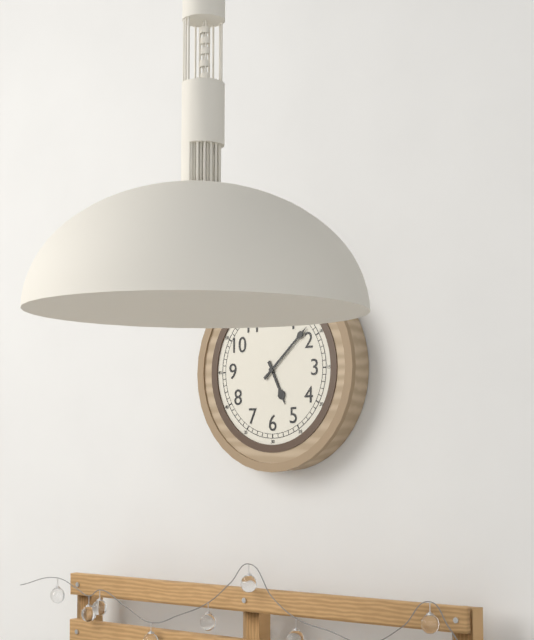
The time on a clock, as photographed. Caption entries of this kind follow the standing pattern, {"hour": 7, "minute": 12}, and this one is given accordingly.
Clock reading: {"hour": 5, "minute": 8}
